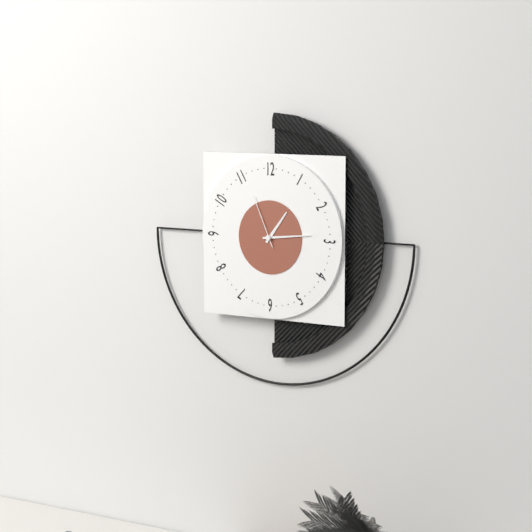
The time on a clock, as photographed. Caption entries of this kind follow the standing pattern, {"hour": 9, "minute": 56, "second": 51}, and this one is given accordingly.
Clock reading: {"hour": 1, "minute": 14, "second": 56}
